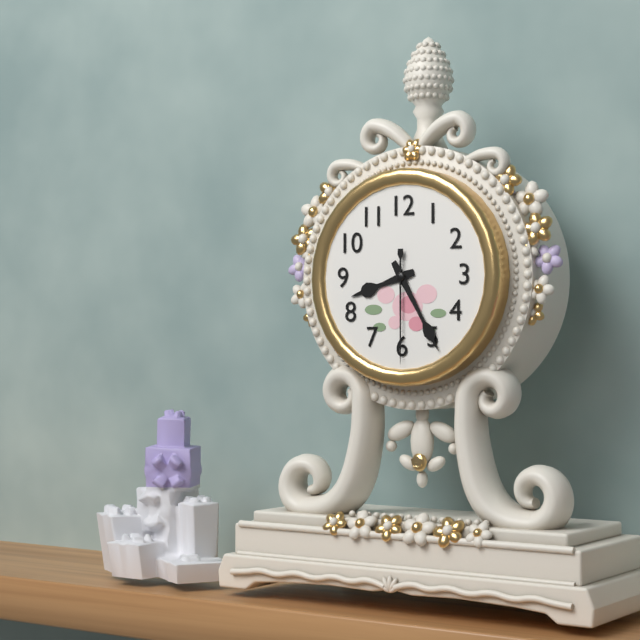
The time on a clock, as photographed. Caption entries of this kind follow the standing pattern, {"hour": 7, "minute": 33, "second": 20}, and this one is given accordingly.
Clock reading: {"hour": 8, "minute": 25, "second": 30}
